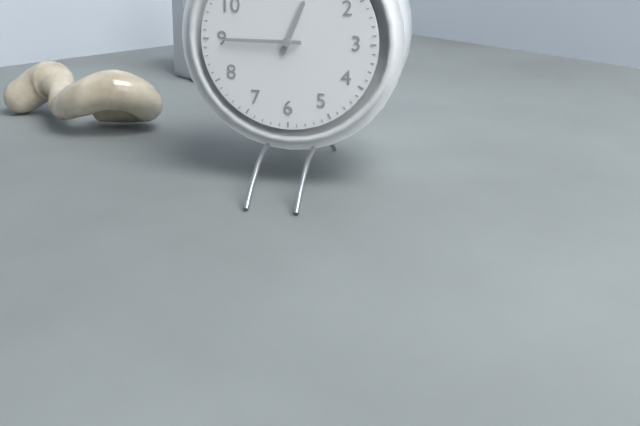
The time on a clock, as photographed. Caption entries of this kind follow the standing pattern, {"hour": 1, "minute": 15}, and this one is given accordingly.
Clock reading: {"hour": 12, "minute": 45}
